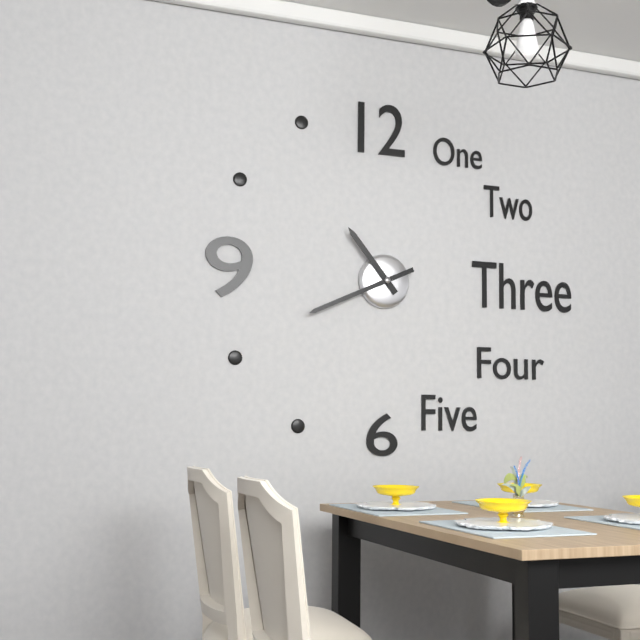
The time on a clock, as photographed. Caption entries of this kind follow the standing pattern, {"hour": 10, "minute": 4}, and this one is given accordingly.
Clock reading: {"hour": 10, "minute": 41}
